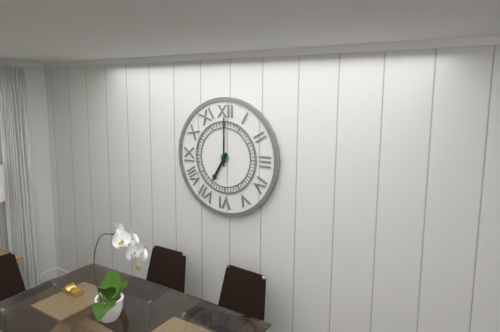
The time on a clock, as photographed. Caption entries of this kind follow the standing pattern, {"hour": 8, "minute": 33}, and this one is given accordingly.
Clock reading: {"hour": 7, "minute": 0}
